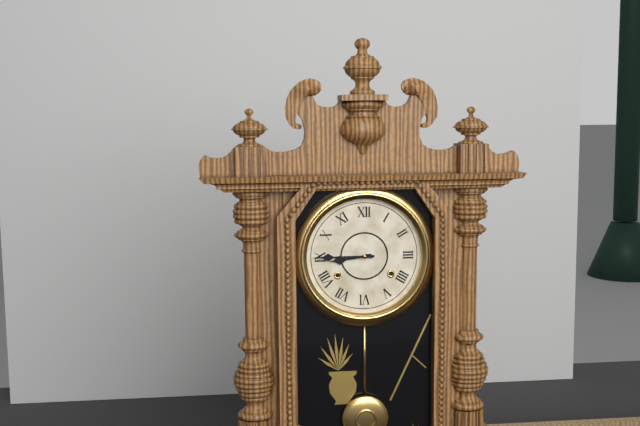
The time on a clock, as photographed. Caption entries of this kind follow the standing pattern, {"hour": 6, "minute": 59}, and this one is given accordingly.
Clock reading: {"hour": 8, "minute": 45}
